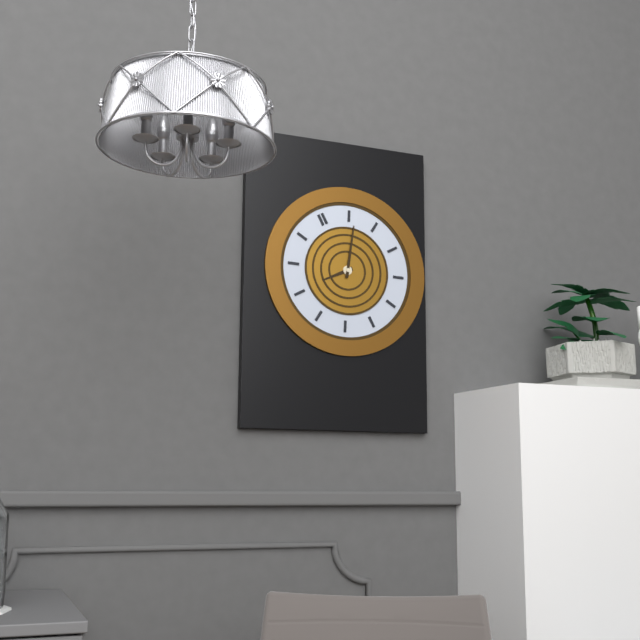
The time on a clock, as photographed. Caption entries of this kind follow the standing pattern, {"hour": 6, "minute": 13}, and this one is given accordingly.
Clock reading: {"hour": 9, "minute": 6}
